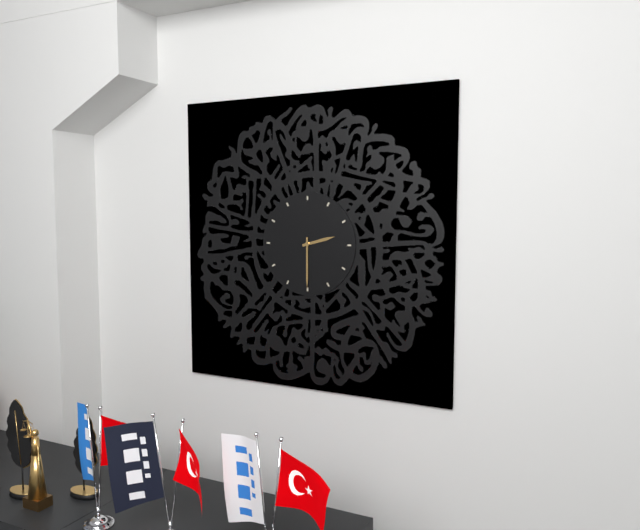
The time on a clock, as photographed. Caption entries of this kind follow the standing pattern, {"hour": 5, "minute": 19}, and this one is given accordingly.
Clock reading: {"hour": 2, "minute": 30}
